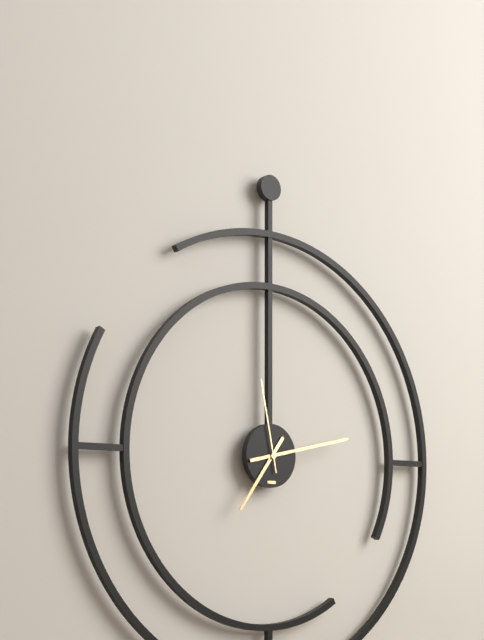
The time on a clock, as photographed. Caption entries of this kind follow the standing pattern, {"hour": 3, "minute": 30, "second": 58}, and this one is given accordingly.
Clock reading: {"hour": 7, "minute": 13, "second": 58}
